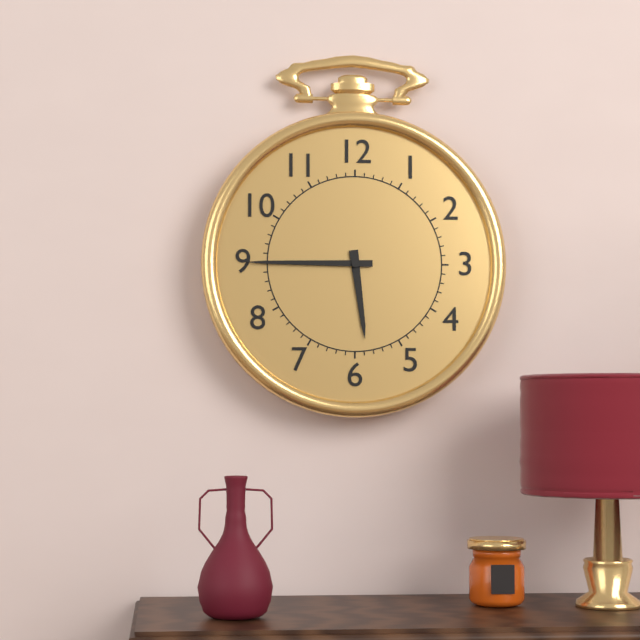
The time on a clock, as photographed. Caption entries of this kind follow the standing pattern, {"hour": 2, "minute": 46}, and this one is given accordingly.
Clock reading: {"hour": 5, "minute": 45}
